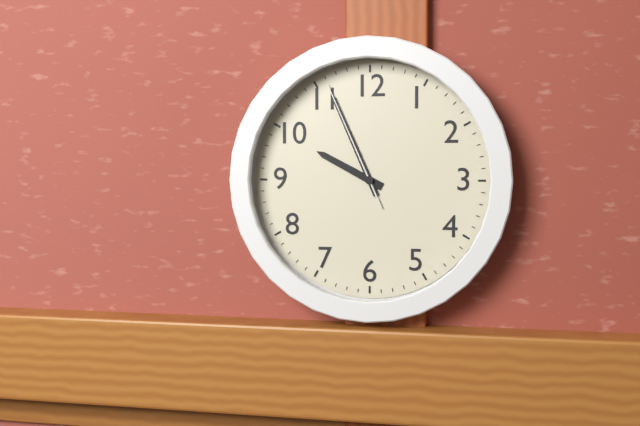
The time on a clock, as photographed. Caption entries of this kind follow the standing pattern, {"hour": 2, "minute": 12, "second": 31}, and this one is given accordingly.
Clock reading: {"hour": 9, "minute": 56, "second": 56}
